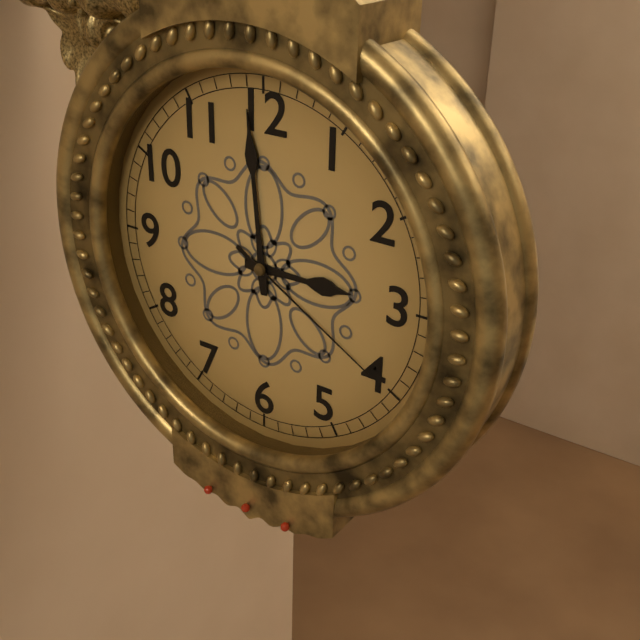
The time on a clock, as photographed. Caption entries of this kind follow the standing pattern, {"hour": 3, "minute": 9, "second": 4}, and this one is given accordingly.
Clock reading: {"hour": 2, "minute": 59, "second": 20}
